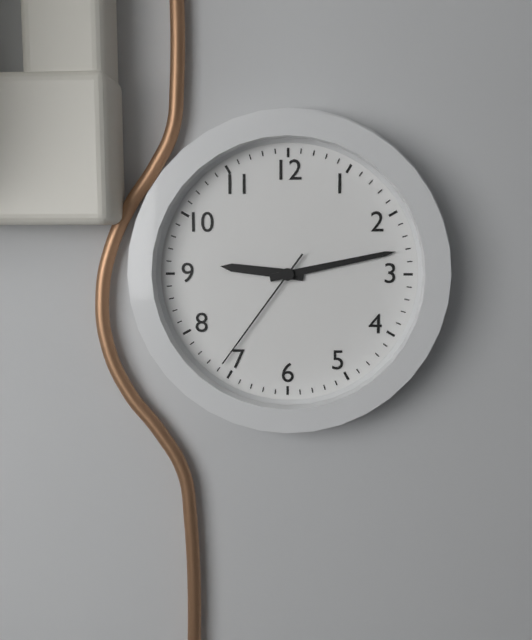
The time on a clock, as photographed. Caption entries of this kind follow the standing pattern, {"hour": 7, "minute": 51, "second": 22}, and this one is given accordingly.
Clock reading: {"hour": 9, "minute": 13, "second": 36}
